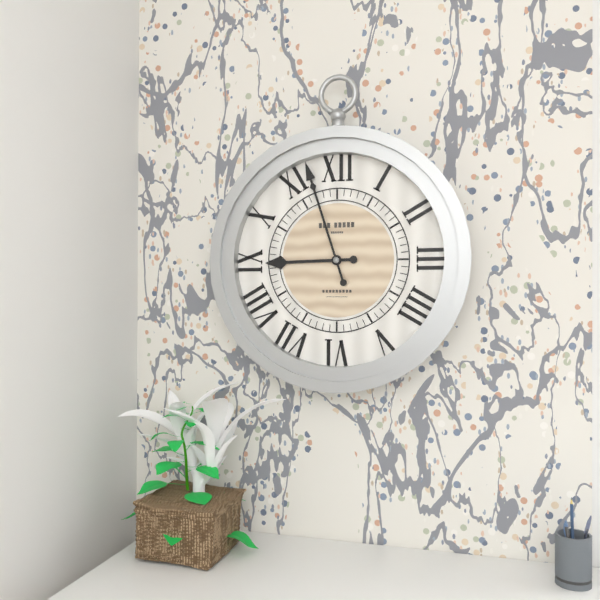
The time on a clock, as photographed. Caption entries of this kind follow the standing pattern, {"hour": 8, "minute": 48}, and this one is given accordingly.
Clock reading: {"hour": 8, "minute": 57}
